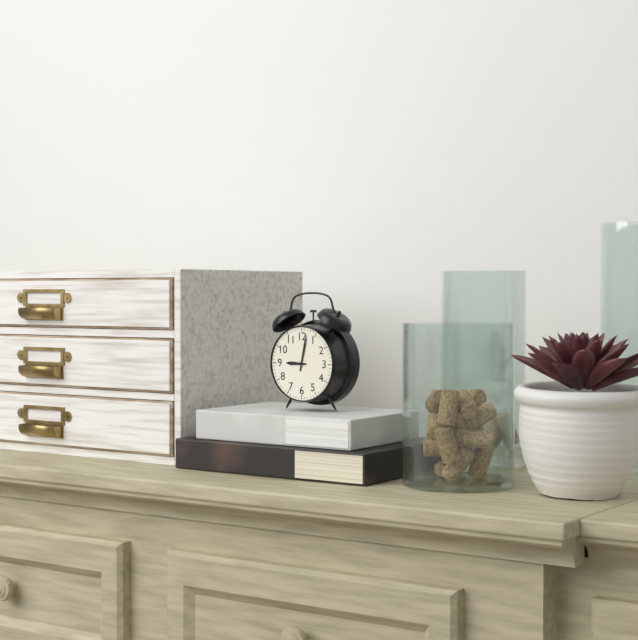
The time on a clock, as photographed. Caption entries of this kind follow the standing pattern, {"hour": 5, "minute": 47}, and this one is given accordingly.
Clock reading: {"hour": 9, "minute": 2}
